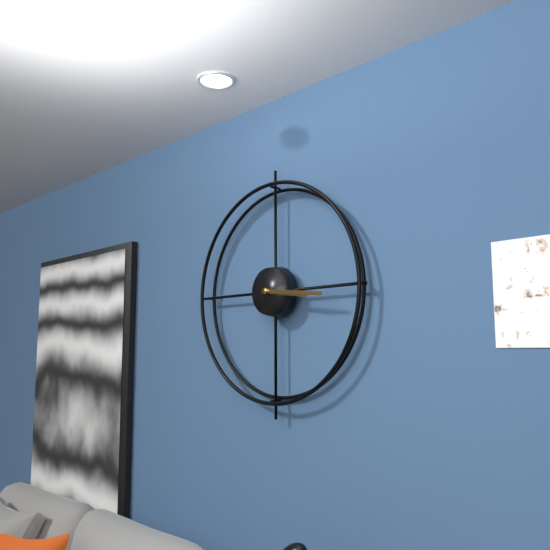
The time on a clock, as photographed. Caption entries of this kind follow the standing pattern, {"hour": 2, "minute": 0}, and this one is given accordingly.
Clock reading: {"hour": 3, "minute": 16}
